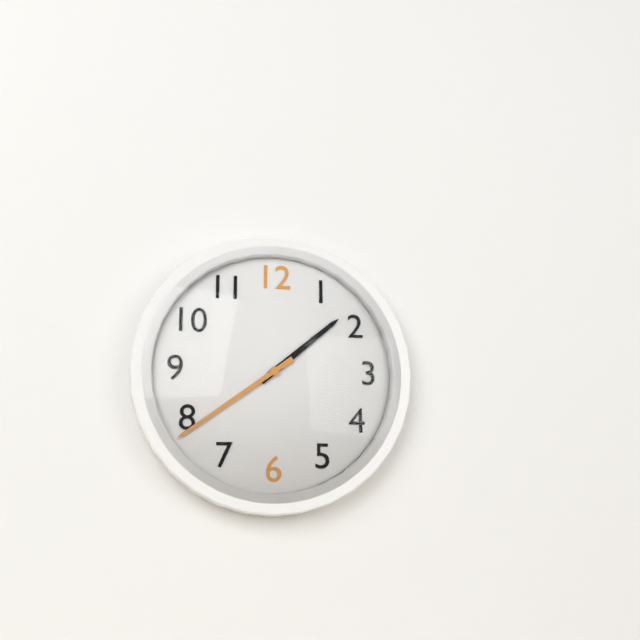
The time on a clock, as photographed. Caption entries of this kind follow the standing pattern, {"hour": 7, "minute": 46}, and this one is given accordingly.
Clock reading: {"hour": 1, "minute": 39}
